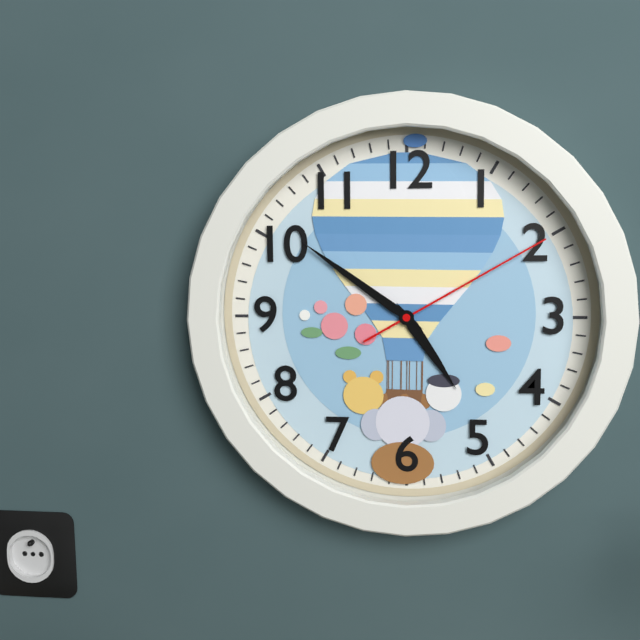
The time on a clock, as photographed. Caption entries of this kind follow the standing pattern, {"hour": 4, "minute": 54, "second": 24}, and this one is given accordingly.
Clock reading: {"hour": 4, "minute": 51, "second": 10}
